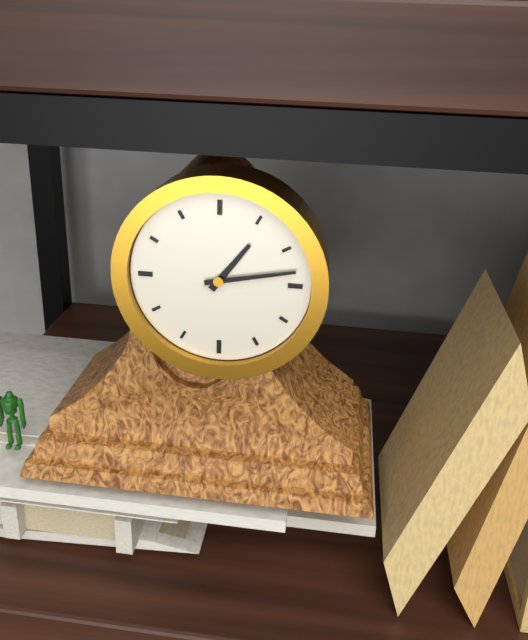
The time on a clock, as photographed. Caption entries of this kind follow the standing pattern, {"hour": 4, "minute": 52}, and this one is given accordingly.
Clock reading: {"hour": 1, "minute": 13}
